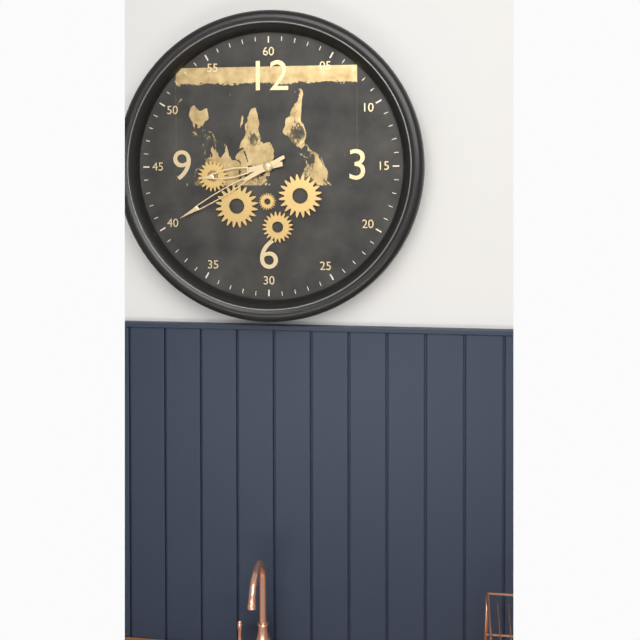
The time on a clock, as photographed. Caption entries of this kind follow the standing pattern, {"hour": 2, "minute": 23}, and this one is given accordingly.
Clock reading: {"hour": 8, "minute": 40}
